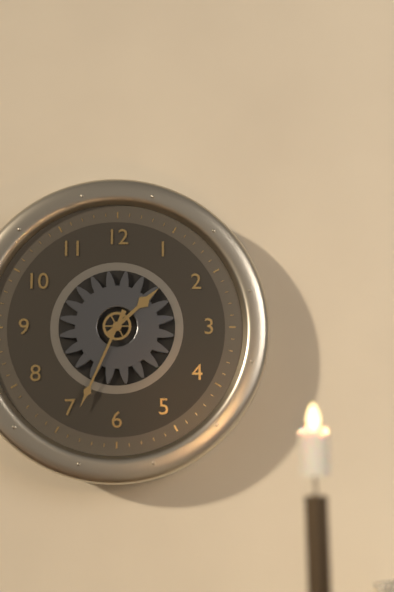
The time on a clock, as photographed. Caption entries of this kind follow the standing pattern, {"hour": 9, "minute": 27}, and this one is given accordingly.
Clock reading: {"hour": 1, "minute": 34}
